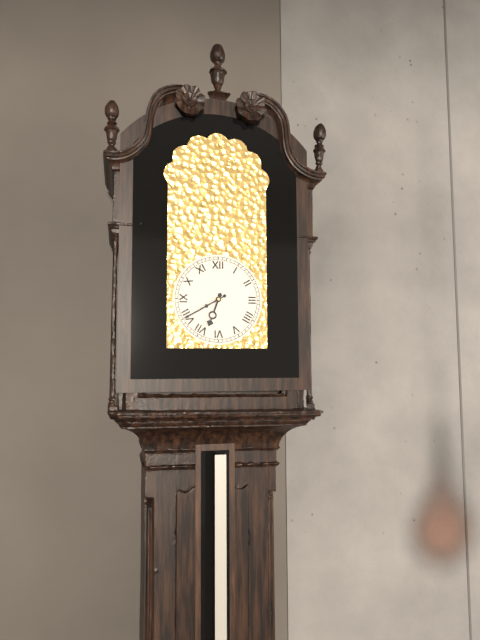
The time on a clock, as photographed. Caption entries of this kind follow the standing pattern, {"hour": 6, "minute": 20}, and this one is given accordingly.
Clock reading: {"hour": 6, "minute": 40}
